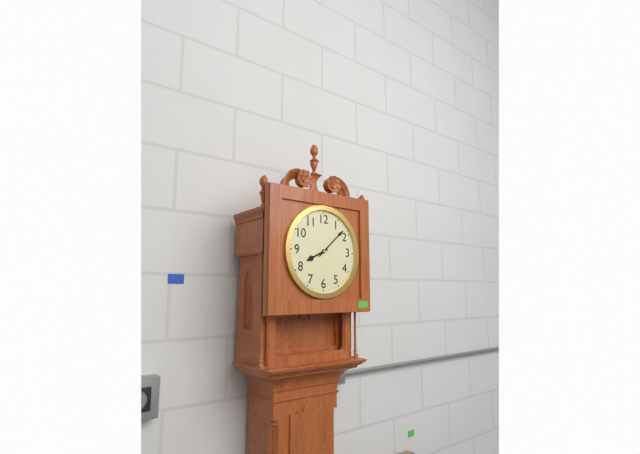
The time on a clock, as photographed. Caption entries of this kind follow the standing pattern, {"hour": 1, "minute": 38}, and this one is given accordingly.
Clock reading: {"hour": 8, "minute": 8}
